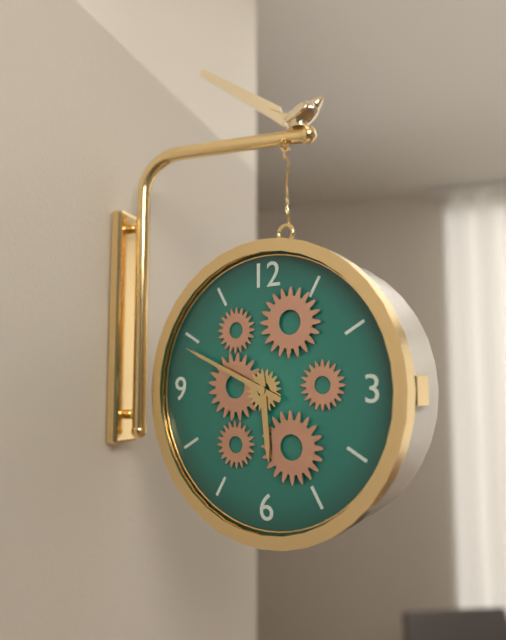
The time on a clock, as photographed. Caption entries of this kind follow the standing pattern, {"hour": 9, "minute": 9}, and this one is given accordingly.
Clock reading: {"hour": 5, "minute": 49}
